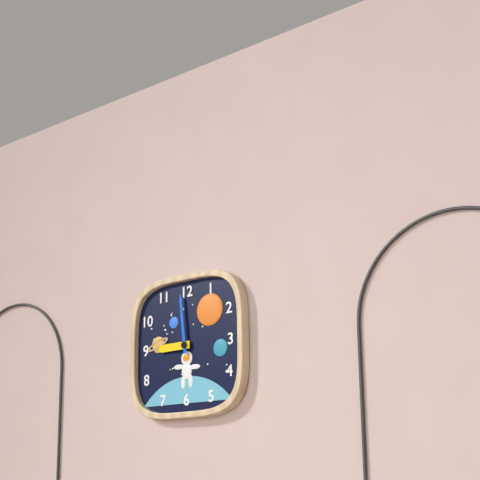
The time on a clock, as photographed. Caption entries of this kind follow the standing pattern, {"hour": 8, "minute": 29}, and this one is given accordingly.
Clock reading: {"hour": 8, "minute": 59}
